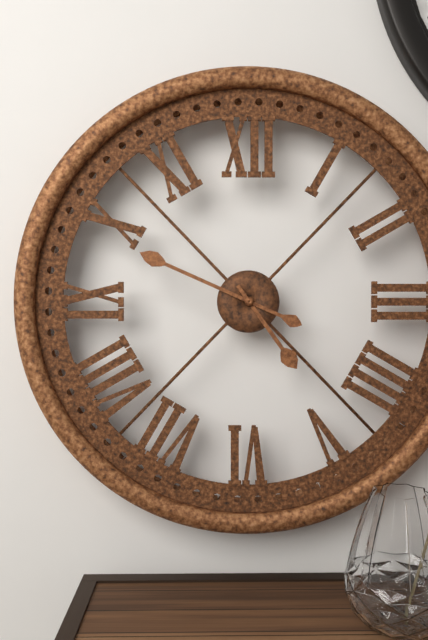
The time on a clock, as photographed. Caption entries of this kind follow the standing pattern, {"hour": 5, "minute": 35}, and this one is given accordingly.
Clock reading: {"hour": 4, "minute": 49}
